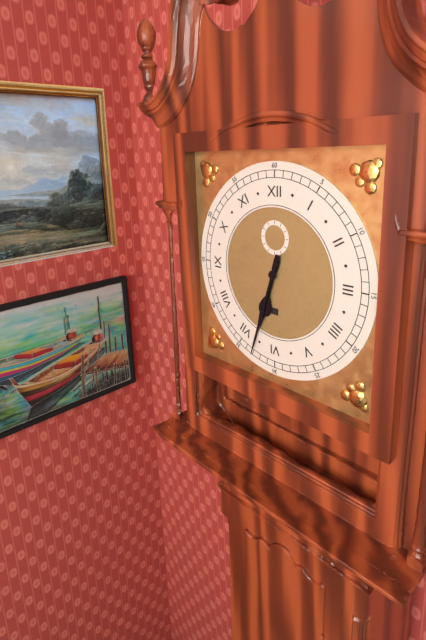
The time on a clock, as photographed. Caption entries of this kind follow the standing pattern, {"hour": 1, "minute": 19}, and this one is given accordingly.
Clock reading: {"hour": 6, "minute": 33}
